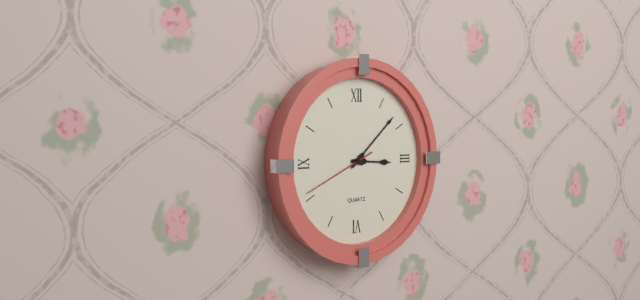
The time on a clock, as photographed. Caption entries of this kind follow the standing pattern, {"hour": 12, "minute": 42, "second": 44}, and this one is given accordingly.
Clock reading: {"hour": 3, "minute": 8, "second": 41}
